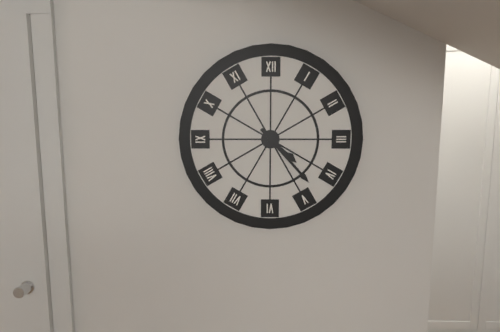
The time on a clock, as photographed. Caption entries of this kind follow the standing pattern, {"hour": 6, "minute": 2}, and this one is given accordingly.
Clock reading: {"hour": 4, "minute": 23}
